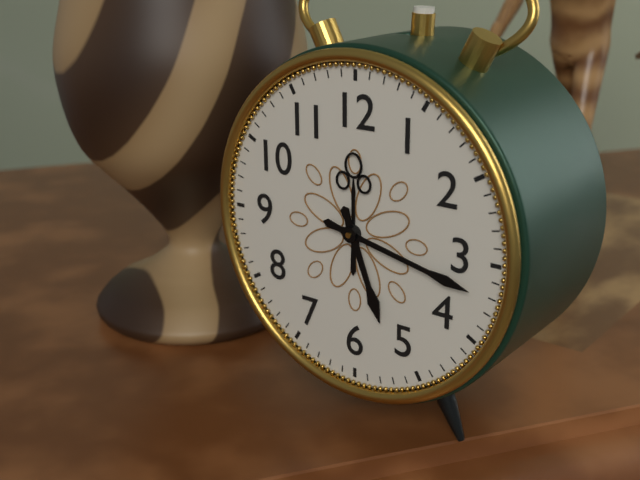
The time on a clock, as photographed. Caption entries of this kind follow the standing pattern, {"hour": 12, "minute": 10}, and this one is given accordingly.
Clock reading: {"hour": 5, "minute": 17}
